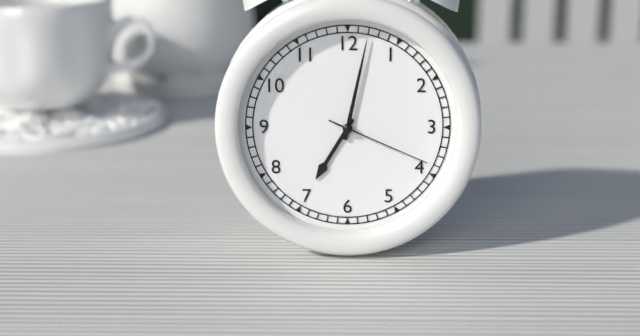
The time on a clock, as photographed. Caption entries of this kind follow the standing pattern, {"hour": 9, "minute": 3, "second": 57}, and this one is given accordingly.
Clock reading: {"hour": 7, "minute": 2, "second": 19}
